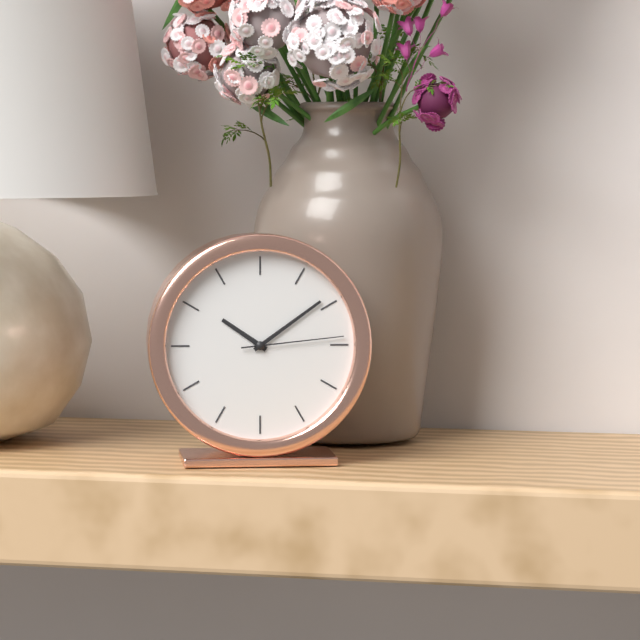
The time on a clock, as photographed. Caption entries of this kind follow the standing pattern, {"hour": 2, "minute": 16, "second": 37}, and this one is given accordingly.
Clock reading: {"hour": 10, "minute": 9, "second": 14}
